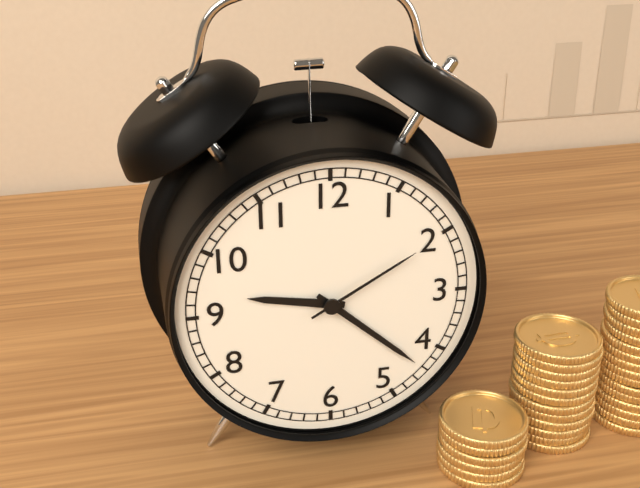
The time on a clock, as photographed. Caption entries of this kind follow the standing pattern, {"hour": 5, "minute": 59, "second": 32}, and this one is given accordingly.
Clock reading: {"hour": 9, "minute": 22, "second": 10}
